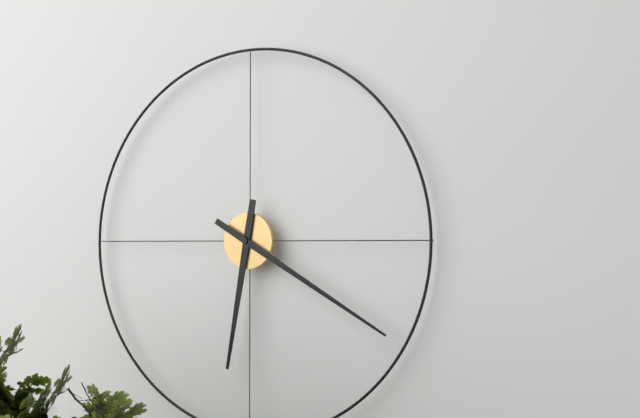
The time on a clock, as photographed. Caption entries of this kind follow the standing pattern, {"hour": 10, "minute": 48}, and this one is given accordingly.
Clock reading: {"hour": 6, "minute": 20}
